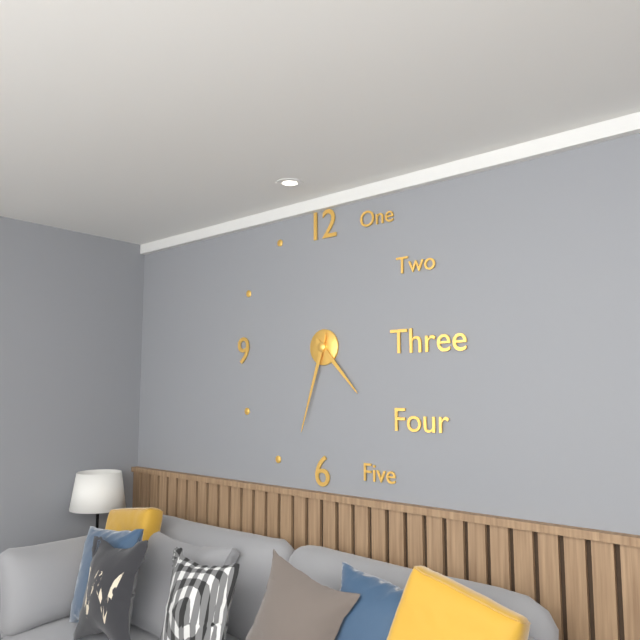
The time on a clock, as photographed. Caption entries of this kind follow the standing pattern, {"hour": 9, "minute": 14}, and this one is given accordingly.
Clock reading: {"hour": 4, "minute": 33}
